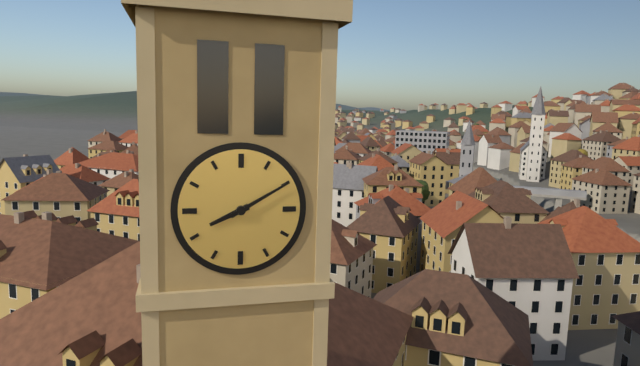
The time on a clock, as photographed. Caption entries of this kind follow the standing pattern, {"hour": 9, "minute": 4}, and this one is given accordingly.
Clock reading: {"hour": 8, "minute": 10}
